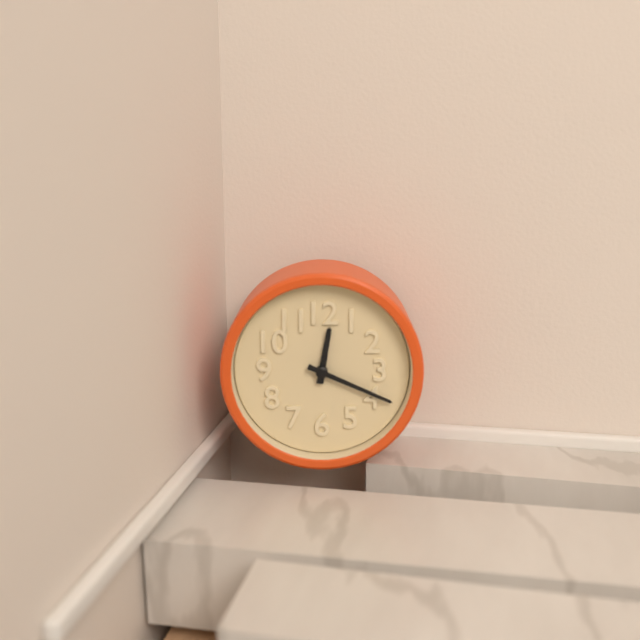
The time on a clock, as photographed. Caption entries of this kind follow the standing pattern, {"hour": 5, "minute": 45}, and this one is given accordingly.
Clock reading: {"hour": 12, "minute": 19}
